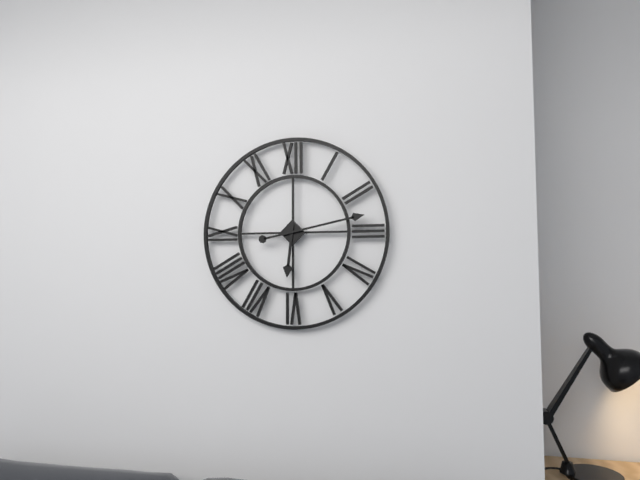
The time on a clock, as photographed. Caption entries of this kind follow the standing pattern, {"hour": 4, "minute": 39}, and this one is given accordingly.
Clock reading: {"hour": 6, "minute": 13}
